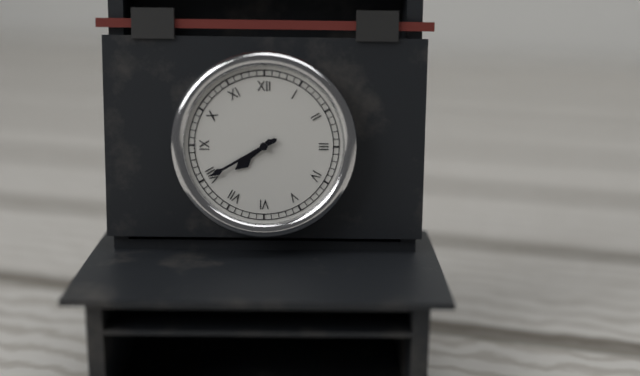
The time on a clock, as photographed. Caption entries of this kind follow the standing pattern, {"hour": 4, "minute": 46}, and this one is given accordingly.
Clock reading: {"hour": 7, "minute": 40}
